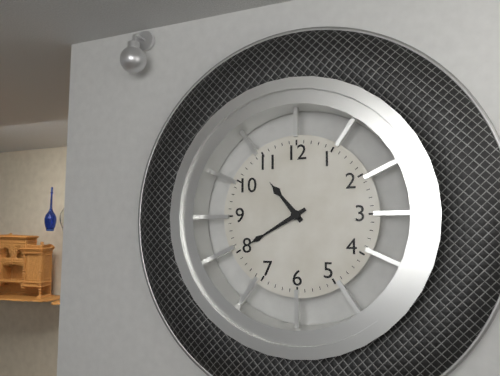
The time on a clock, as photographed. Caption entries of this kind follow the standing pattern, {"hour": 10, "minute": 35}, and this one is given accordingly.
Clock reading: {"hour": 10, "minute": 40}
